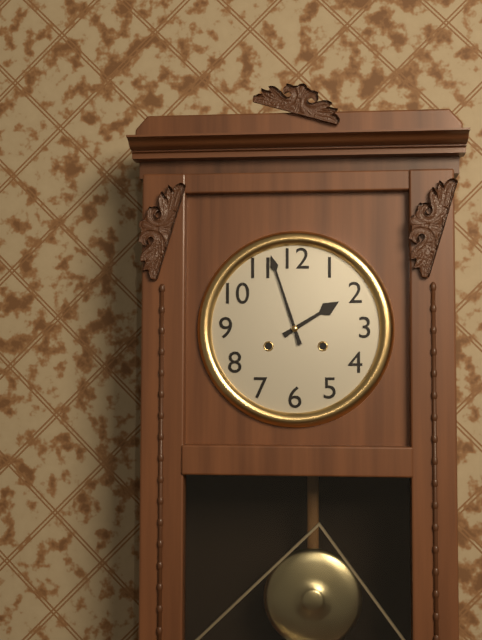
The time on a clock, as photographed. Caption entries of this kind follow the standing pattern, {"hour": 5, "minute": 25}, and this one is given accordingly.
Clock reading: {"hour": 1, "minute": 57}
